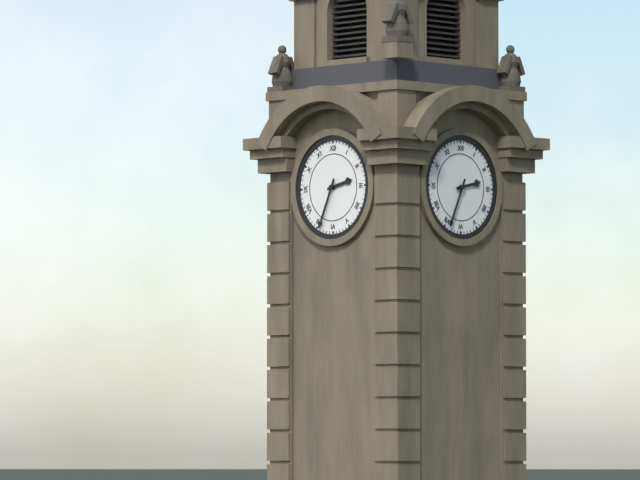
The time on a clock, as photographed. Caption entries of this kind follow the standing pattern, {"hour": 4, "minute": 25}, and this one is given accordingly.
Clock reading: {"hour": 2, "minute": 34}
